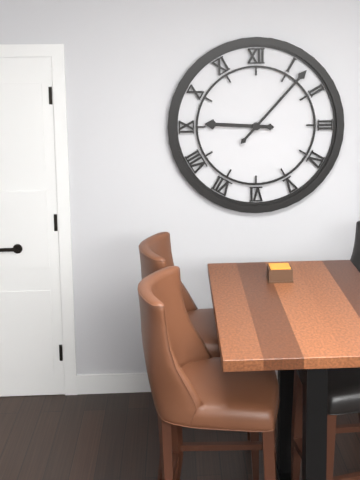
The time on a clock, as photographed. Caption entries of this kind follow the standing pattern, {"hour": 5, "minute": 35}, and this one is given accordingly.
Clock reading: {"hour": 9, "minute": 7}
